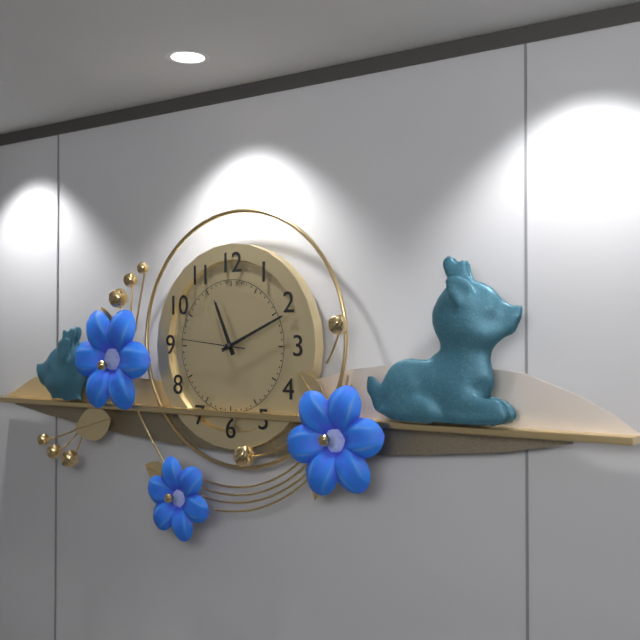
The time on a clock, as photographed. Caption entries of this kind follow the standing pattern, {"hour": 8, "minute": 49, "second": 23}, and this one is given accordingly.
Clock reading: {"hour": 11, "minute": 11, "second": 46}
